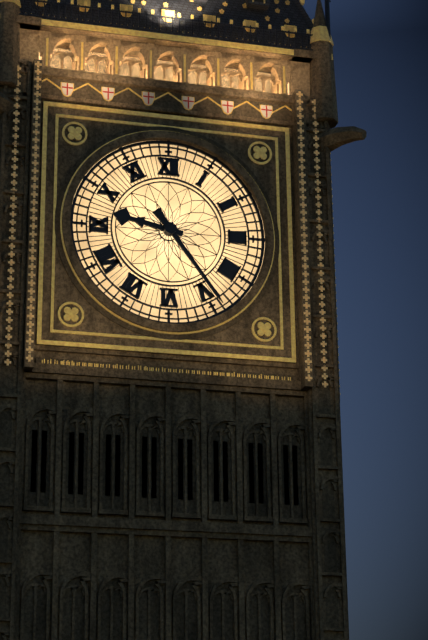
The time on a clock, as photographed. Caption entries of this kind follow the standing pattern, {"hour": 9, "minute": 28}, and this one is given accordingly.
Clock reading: {"hour": 9, "minute": 24}
